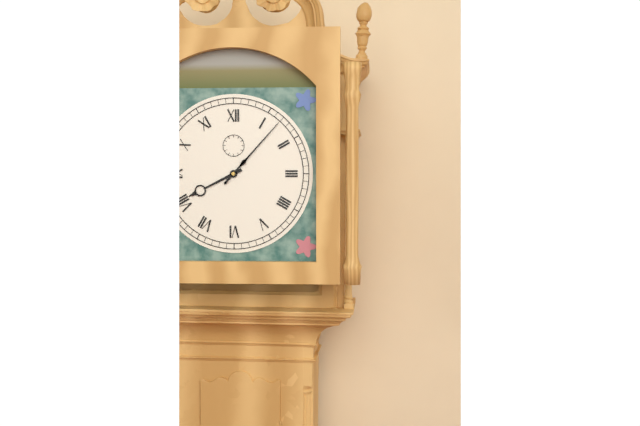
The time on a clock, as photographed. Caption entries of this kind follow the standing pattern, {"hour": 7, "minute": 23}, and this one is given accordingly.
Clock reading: {"hour": 8, "minute": 7}
